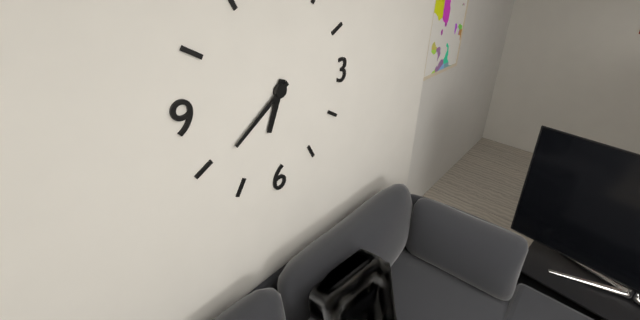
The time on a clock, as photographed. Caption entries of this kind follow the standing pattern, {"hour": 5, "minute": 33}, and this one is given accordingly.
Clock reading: {"hour": 6, "minute": 39}
